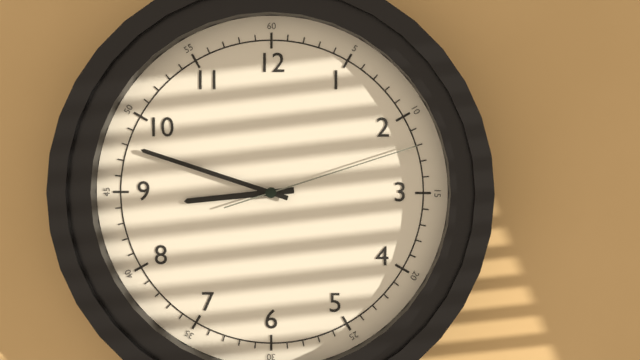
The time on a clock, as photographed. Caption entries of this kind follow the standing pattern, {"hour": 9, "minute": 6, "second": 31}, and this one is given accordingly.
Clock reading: {"hour": 8, "minute": 48, "second": 12}
